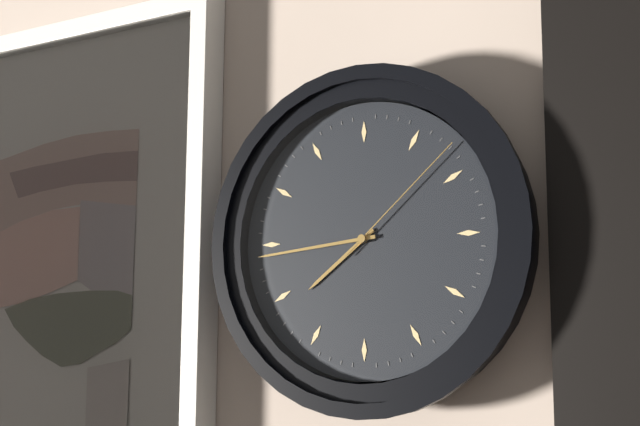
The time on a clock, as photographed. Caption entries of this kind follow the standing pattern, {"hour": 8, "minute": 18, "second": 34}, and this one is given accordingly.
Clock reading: {"hour": 7, "minute": 44, "second": 8}
